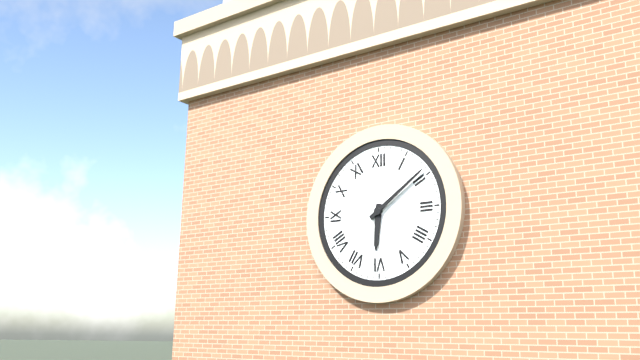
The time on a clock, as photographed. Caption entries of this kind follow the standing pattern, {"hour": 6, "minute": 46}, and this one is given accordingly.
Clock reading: {"hour": 6, "minute": 9}
